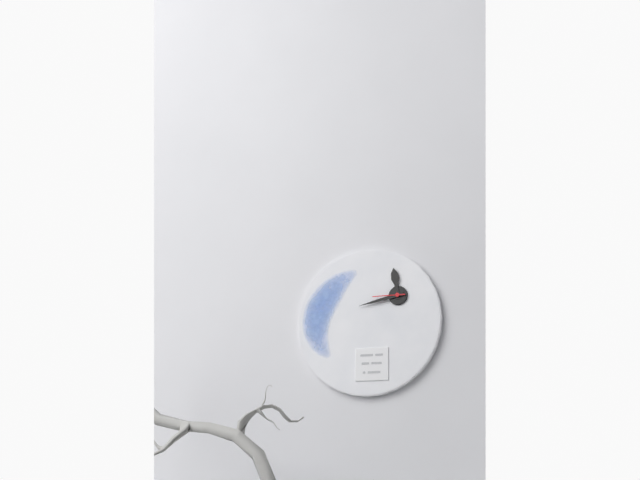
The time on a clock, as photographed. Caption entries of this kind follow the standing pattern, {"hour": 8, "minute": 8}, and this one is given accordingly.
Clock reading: {"hour": 11, "minute": 43}
